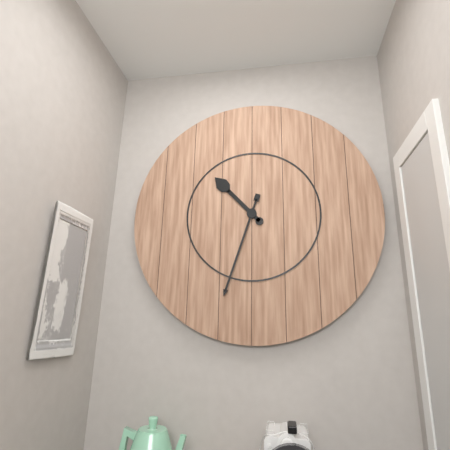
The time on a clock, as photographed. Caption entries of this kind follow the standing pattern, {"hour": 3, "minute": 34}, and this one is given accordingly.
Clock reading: {"hour": 10, "minute": 33}
